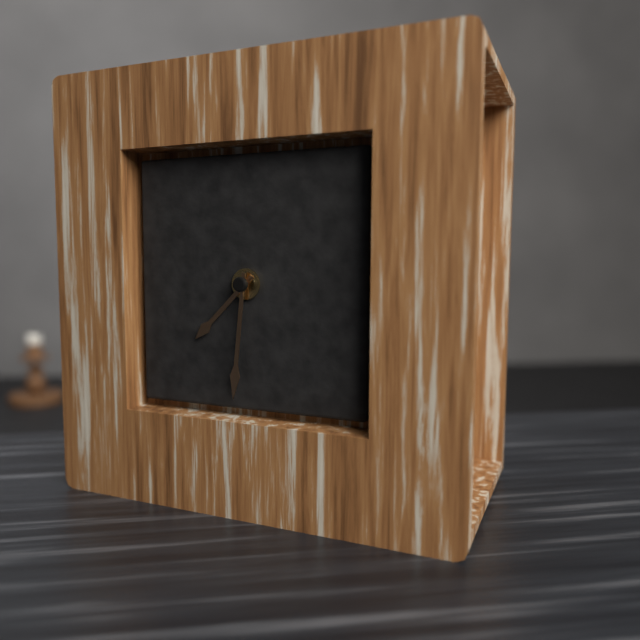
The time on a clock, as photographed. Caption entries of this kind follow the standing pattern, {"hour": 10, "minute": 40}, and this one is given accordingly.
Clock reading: {"hour": 7, "minute": 31}
